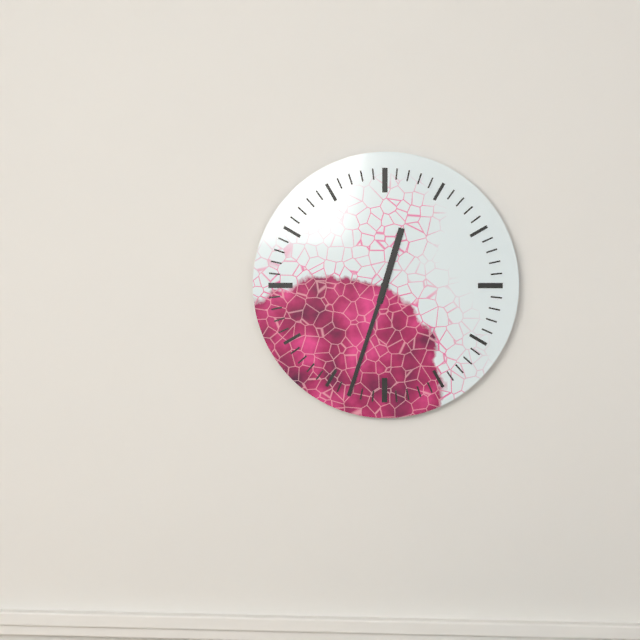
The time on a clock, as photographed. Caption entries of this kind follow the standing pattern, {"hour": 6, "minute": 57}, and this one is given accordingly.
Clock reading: {"hour": 12, "minute": 33}
